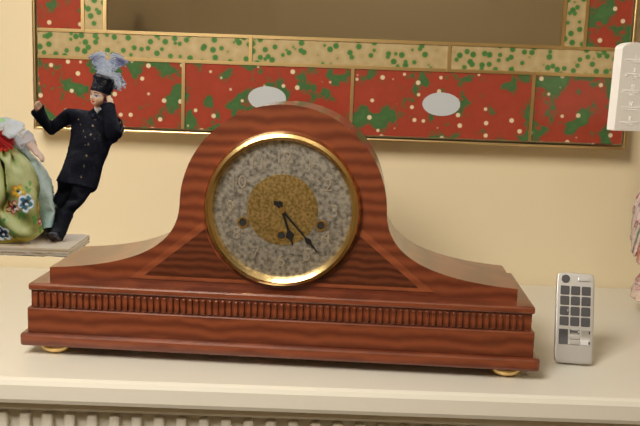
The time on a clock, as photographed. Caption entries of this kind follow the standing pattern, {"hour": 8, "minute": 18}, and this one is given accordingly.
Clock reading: {"hour": 5, "minute": 23}
